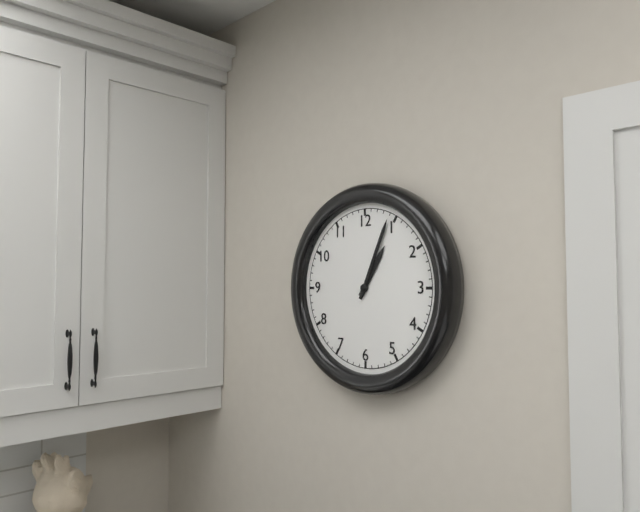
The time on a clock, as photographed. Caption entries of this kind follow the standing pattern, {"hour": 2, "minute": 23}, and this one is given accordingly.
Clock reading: {"hour": 1, "minute": 4}
